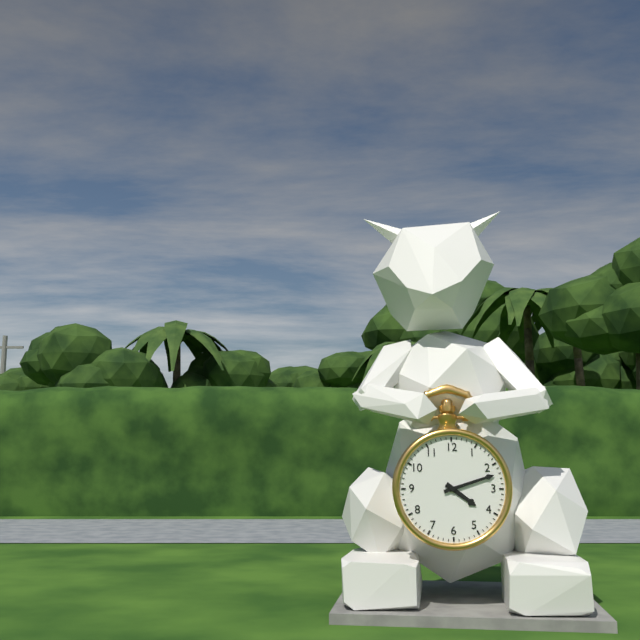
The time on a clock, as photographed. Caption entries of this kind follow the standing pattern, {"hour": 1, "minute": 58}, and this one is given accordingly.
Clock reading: {"hour": 4, "minute": 12}
